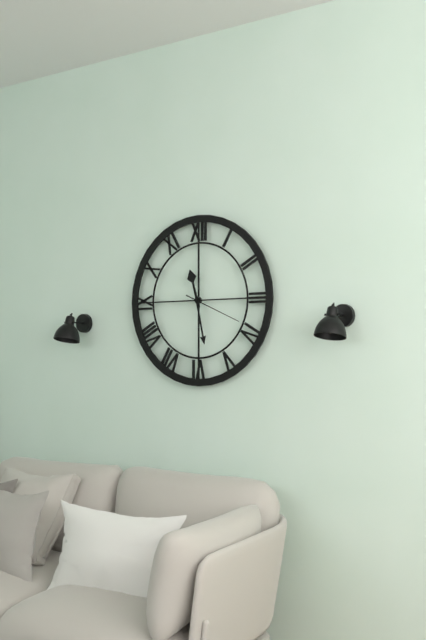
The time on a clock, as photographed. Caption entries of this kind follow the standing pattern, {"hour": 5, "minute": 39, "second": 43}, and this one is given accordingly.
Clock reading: {"hour": 11, "minute": 28, "second": 19}
